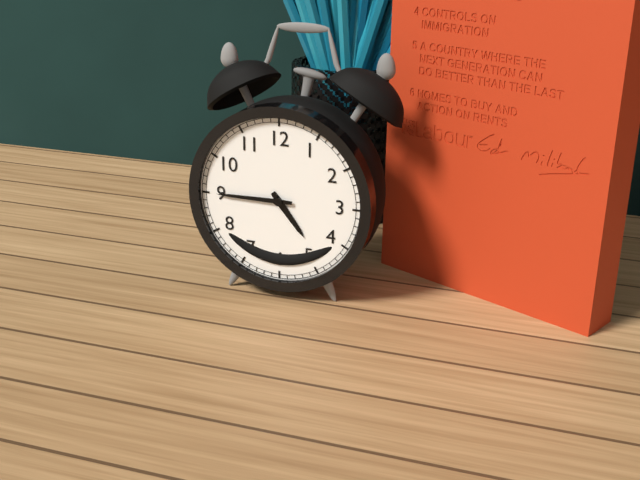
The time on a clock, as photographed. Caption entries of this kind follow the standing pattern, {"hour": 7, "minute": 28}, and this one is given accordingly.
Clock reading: {"hour": 4, "minute": 45}
